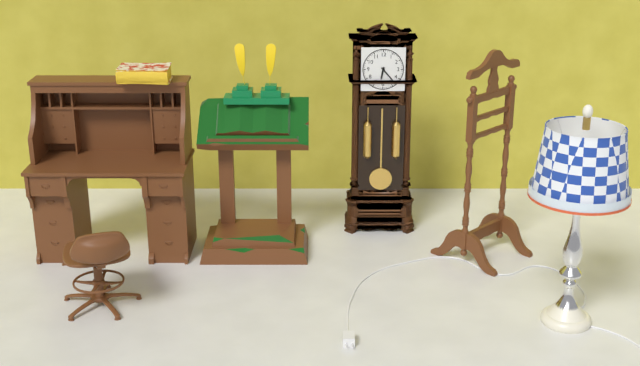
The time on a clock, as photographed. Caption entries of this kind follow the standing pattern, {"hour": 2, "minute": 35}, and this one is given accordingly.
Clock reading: {"hour": 6, "minute": 23}
